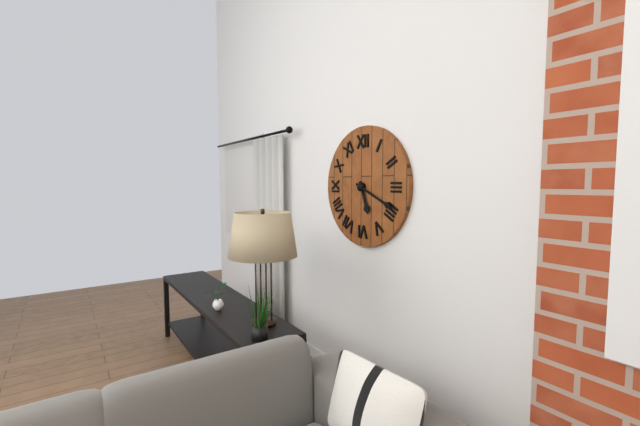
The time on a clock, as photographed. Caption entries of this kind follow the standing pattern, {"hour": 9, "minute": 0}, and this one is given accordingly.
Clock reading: {"hour": 5, "minute": 19}
